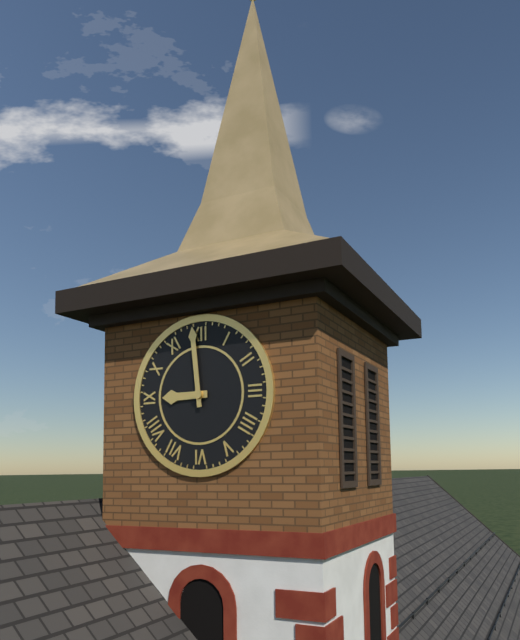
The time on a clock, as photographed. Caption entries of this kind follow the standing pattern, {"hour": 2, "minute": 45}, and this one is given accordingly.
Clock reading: {"hour": 8, "minute": 59}
